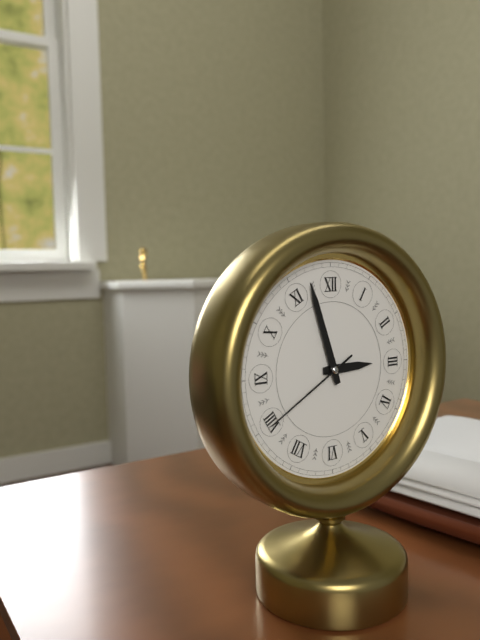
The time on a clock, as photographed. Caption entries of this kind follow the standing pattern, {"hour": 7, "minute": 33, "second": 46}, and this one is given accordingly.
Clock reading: {"hour": 2, "minute": 57, "second": 40}
